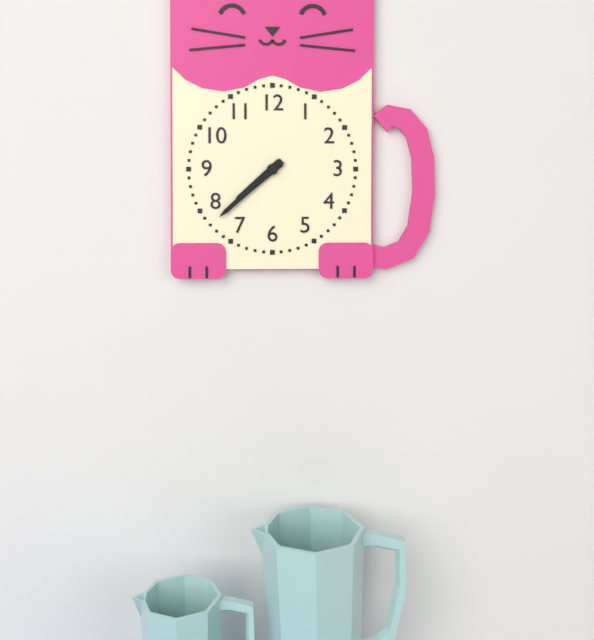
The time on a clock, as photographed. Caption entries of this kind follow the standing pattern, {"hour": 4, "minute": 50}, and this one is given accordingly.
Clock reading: {"hour": 7, "minute": 38}
